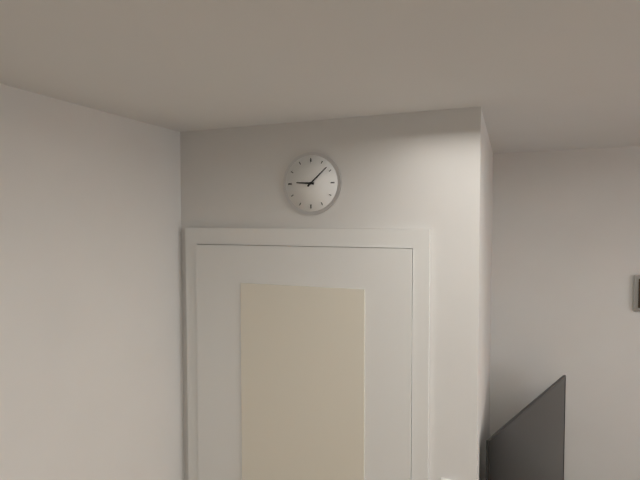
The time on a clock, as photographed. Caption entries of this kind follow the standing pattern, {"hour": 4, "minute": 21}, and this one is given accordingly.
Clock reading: {"hour": 9, "minute": 8}
